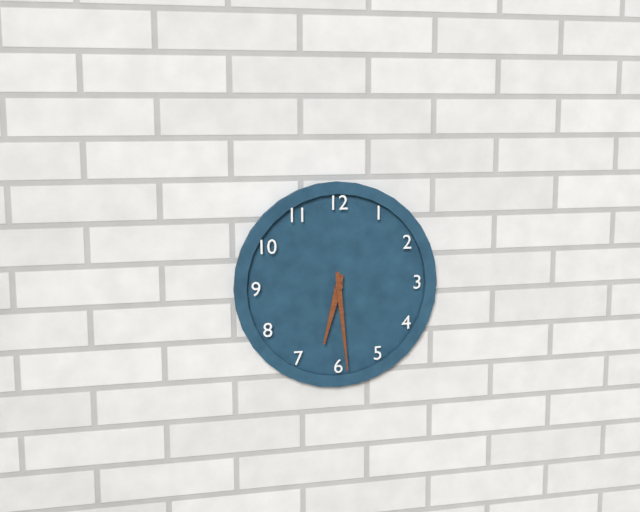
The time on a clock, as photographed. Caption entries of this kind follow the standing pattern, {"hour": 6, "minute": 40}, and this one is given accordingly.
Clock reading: {"hour": 6, "minute": 29}
